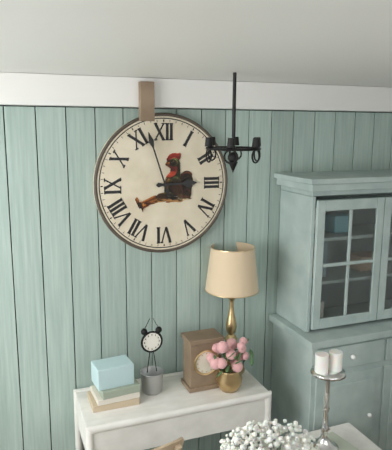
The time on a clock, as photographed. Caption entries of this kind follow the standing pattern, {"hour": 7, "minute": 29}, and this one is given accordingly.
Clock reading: {"hour": 2, "minute": 57}
